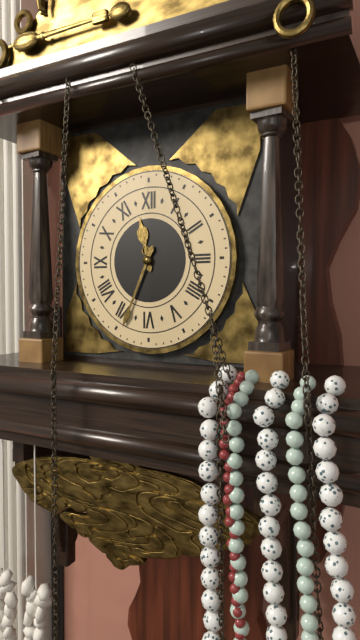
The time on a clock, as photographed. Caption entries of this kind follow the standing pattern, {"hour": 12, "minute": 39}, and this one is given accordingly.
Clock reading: {"hour": 11, "minute": 34}
